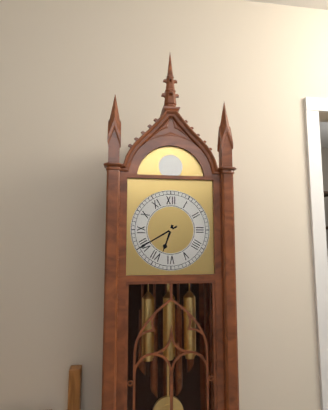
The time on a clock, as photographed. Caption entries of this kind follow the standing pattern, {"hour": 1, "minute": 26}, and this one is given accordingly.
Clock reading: {"hour": 6, "minute": 40}
